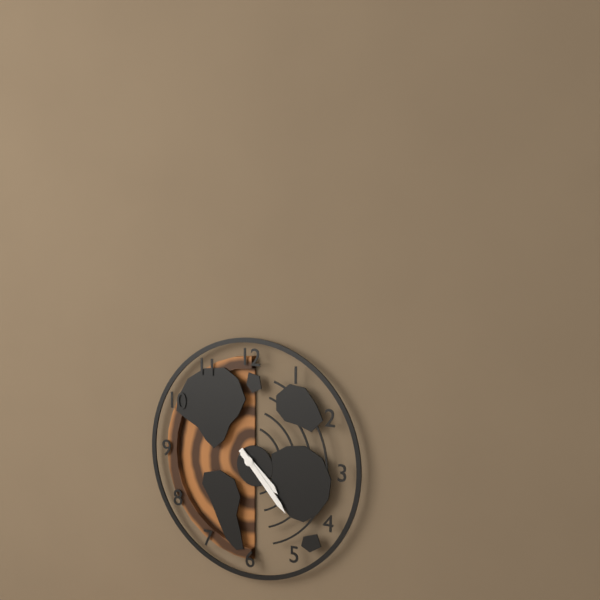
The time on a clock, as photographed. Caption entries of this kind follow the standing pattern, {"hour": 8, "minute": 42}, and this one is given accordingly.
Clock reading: {"hour": 4, "minute": 23}
